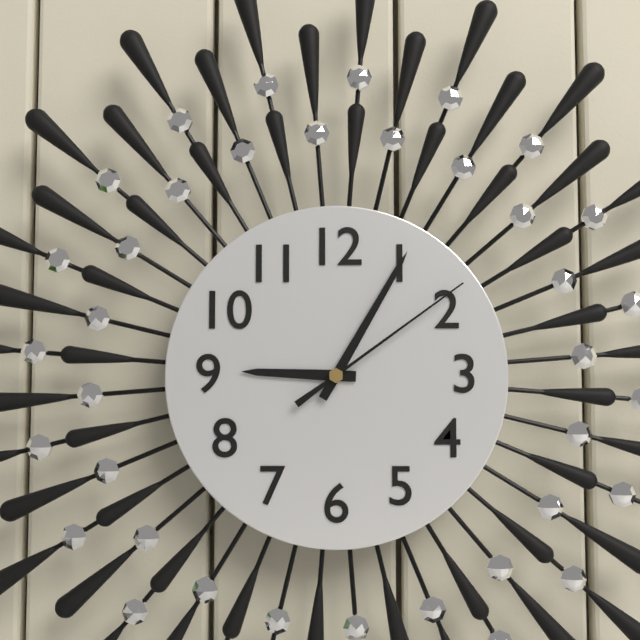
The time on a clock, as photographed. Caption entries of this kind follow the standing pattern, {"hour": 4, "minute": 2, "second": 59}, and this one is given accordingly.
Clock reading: {"hour": 9, "minute": 5, "second": 9}
